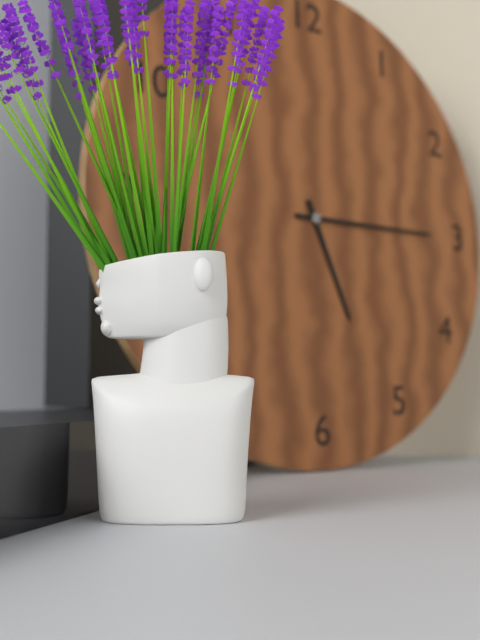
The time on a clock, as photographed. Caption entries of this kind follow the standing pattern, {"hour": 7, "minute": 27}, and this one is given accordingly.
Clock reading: {"hour": 5, "minute": 15}
